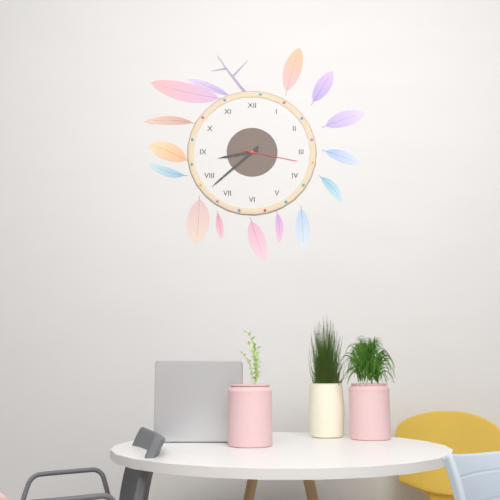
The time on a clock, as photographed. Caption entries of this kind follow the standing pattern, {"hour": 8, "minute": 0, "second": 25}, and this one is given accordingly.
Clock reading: {"hour": 8, "minute": 38, "second": 17}
